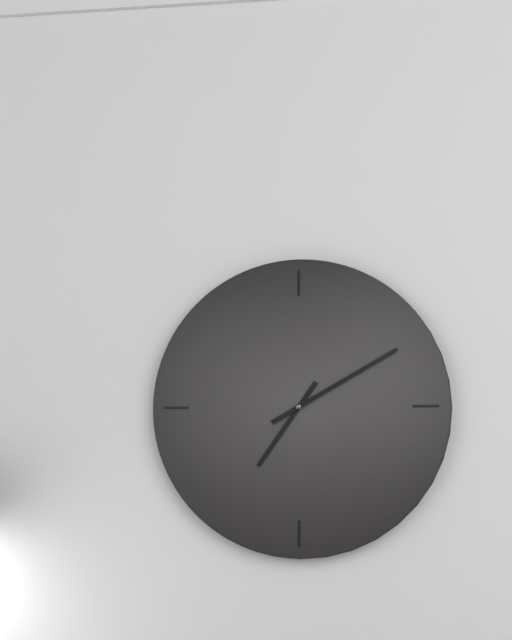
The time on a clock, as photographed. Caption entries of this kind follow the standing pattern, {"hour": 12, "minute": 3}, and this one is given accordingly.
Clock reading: {"hour": 7, "minute": 10}
